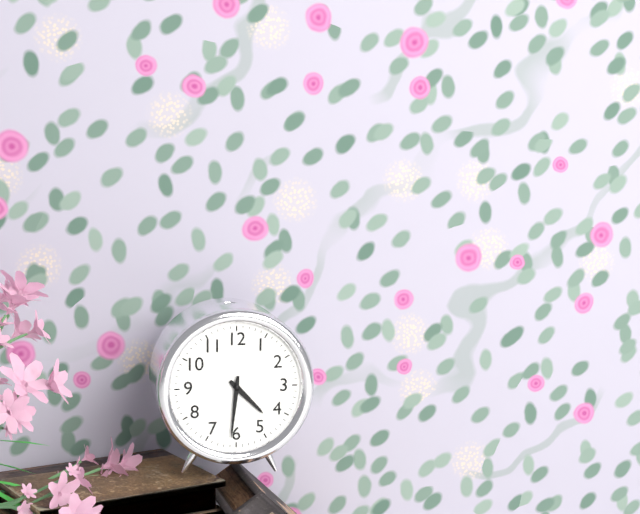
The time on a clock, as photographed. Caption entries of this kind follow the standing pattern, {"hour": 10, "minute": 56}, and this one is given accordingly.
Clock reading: {"hour": 4, "minute": 31}
